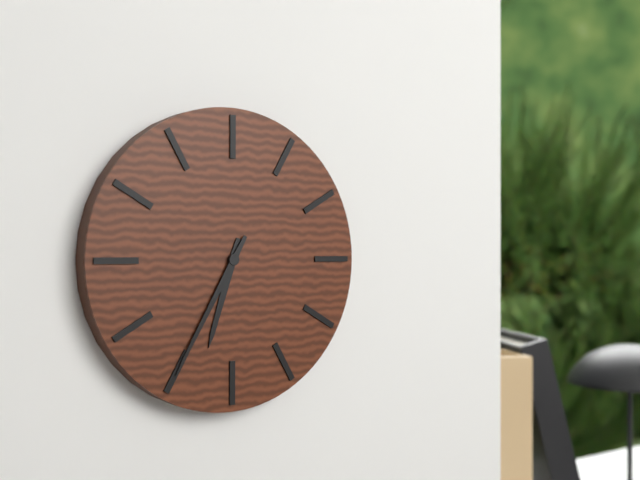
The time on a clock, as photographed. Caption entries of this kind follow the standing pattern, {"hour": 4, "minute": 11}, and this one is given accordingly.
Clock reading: {"hour": 6, "minute": 35}
